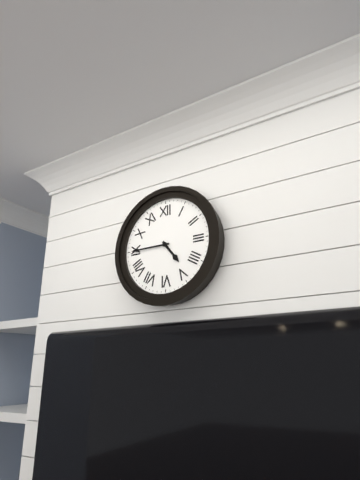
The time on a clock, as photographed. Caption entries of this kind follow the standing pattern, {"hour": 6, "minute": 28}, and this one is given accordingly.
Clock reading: {"hour": 4, "minute": 45}
